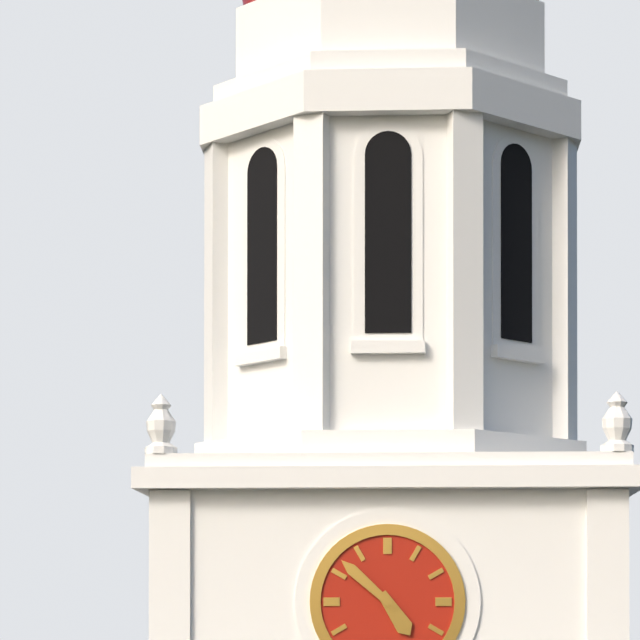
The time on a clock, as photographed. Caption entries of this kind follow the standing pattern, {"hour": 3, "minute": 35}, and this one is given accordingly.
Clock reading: {"hour": 4, "minute": 52}
